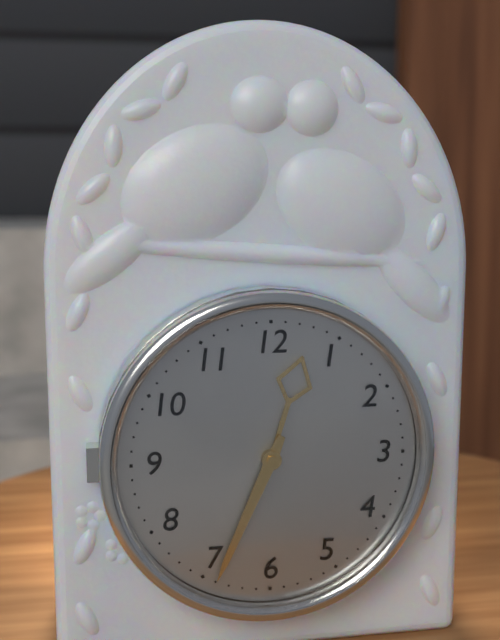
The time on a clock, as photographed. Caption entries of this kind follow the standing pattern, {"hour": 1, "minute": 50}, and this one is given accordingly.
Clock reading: {"hour": 12, "minute": 34}
